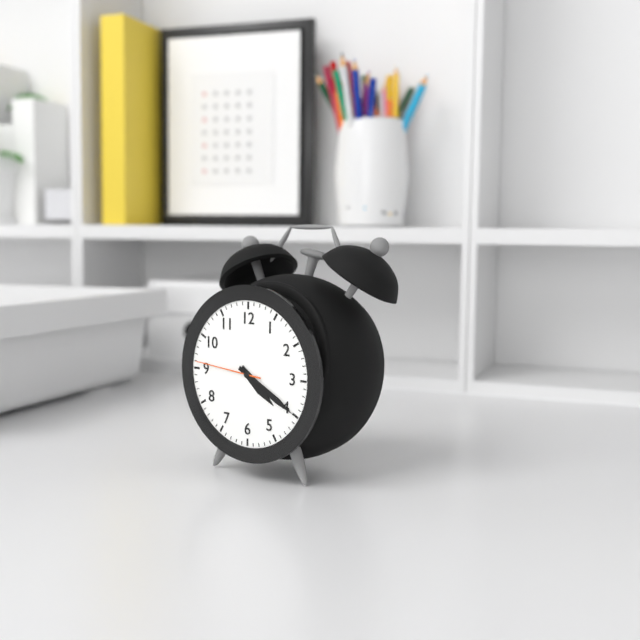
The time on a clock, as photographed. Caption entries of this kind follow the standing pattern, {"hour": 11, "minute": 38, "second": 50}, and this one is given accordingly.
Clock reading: {"hour": 4, "minute": 20, "second": 46}
